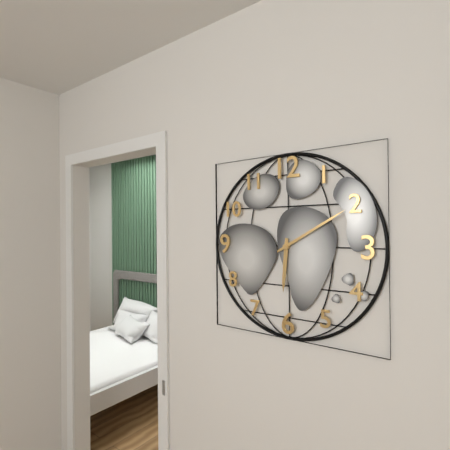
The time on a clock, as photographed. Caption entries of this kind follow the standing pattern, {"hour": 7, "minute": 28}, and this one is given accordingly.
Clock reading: {"hour": 6, "minute": 10}
